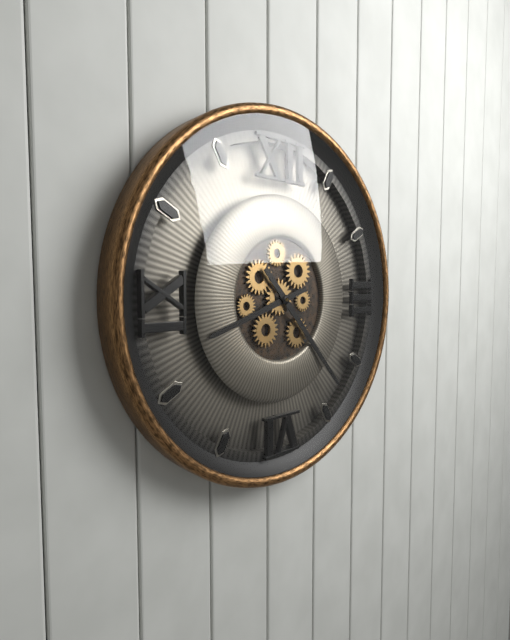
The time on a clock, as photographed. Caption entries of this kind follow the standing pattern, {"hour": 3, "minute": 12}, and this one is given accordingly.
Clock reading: {"hour": 8, "minute": 23}
